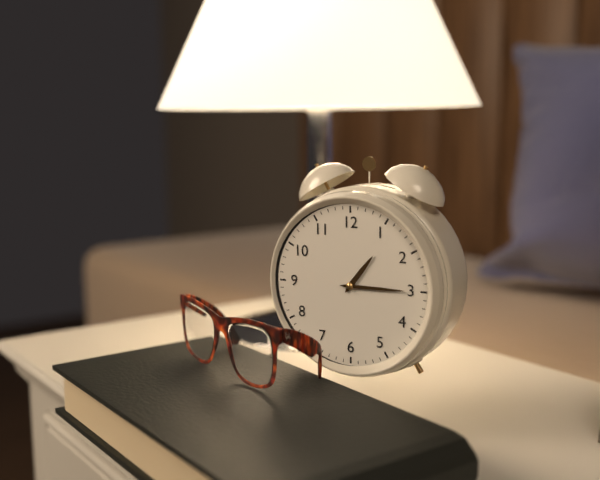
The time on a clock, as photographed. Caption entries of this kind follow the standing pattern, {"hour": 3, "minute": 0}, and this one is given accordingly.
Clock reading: {"hour": 1, "minute": 15}
